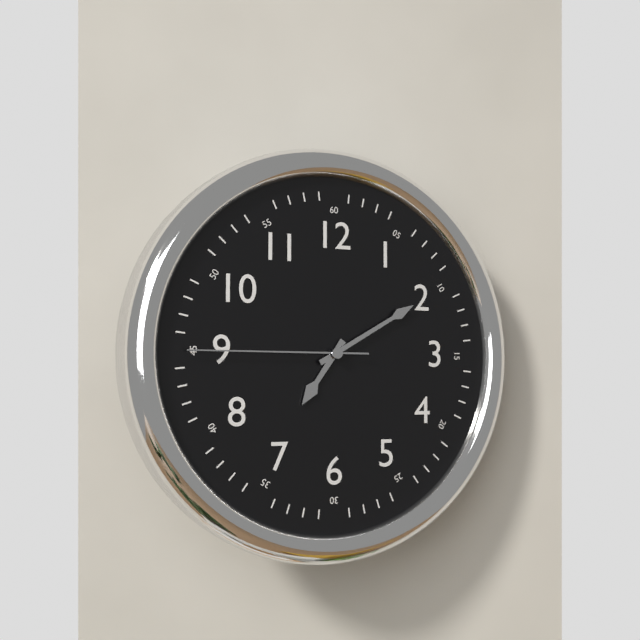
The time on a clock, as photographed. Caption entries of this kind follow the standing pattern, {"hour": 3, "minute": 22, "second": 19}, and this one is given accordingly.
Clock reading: {"hour": 7, "minute": 10, "second": 45}
